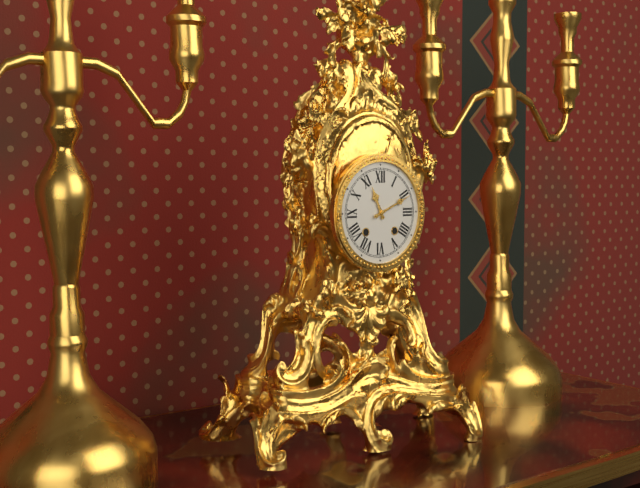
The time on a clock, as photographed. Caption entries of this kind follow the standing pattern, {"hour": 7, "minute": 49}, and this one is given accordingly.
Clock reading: {"hour": 11, "minute": 11}
